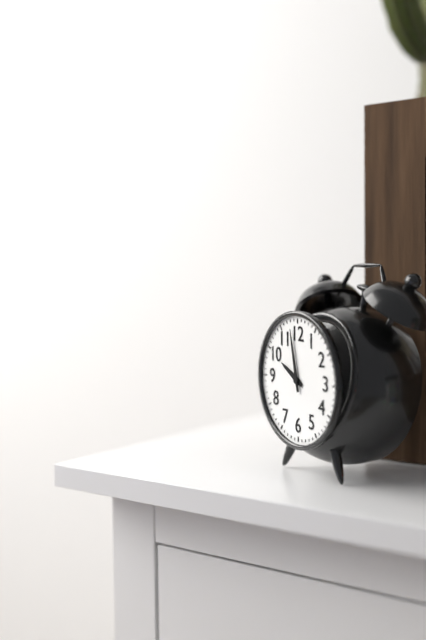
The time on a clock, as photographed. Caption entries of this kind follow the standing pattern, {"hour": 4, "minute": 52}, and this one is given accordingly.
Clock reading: {"hour": 9, "minute": 58}
